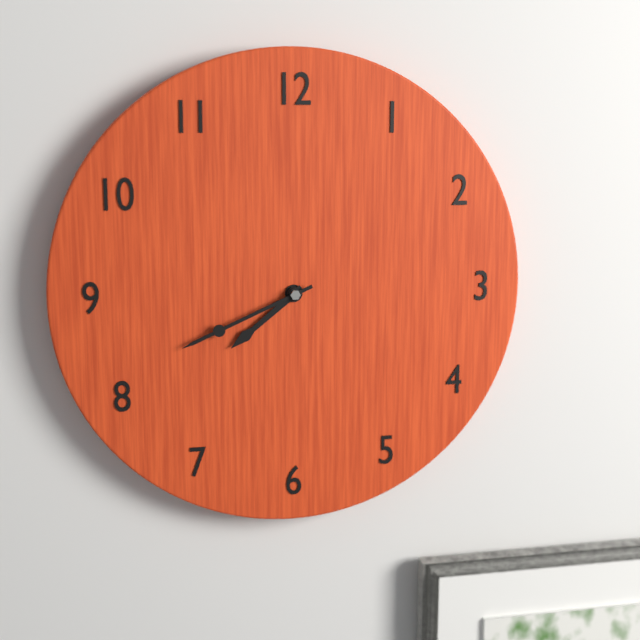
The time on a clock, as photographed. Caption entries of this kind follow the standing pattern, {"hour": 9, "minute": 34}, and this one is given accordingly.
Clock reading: {"hour": 7, "minute": 41}
